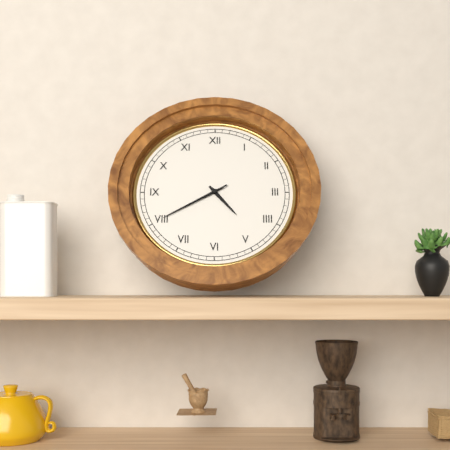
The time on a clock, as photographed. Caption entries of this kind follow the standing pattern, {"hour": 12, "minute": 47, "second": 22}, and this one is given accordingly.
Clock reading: {"hour": 4, "minute": 40, "second": 40}
